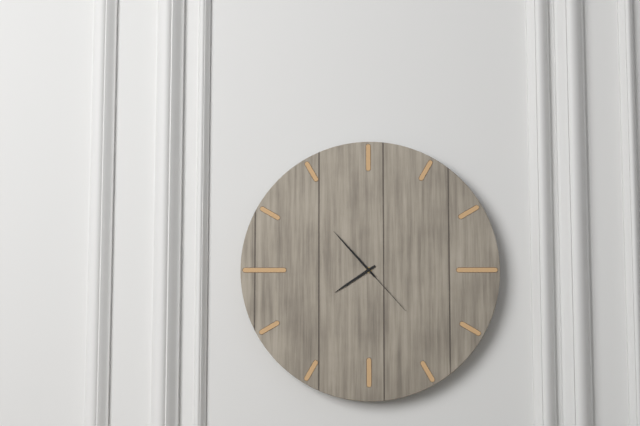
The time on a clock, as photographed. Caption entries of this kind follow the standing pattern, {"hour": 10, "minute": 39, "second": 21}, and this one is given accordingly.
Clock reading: {"hour": 7, "minute": 53, "second": 23}
